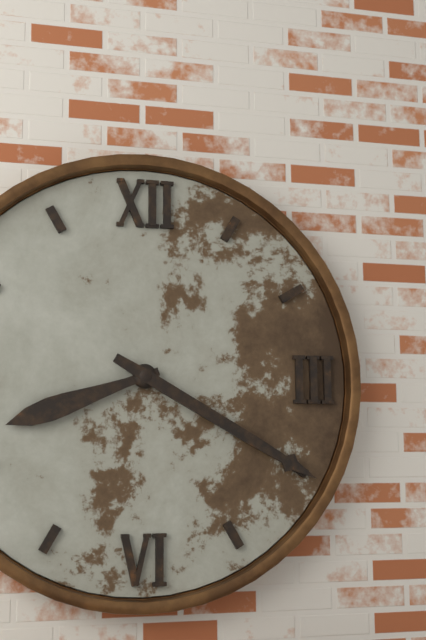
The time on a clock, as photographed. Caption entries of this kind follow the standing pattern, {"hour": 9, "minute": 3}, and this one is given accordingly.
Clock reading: {"hour": 8, "minute": 20}
